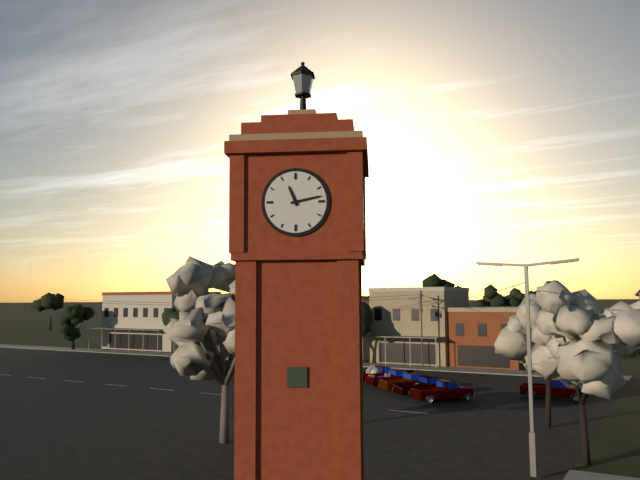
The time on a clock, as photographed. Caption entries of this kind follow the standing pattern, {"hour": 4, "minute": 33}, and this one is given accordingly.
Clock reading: {"hour": 11, "minute": 13}
